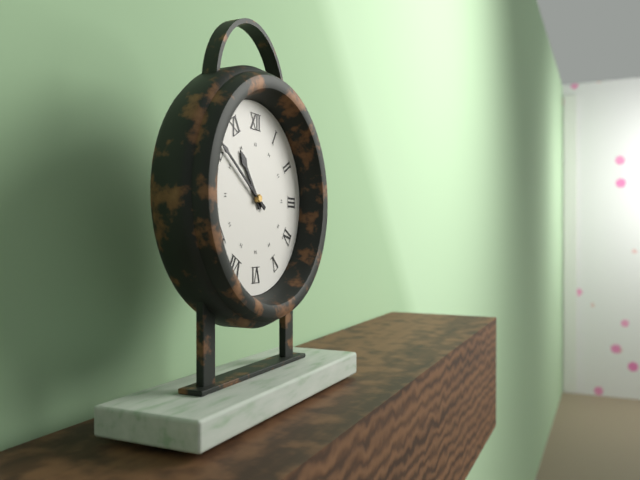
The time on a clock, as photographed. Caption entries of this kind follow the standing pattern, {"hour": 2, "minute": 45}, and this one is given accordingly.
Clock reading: {"hour": 10, "minute": 51}
